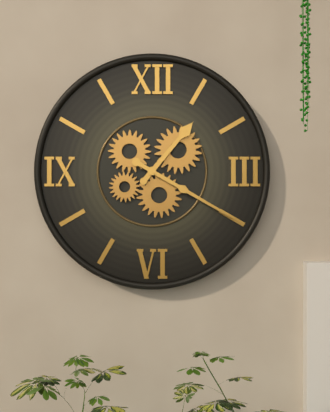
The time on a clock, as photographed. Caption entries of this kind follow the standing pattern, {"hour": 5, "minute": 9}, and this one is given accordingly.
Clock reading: {"hour": 1, "minute": 20}
